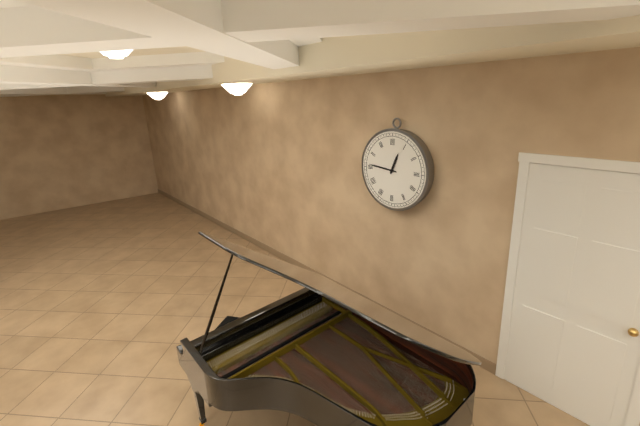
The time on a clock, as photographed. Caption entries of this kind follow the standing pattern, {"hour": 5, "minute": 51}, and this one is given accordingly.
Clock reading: {"hour": 12, "minute": 46}
